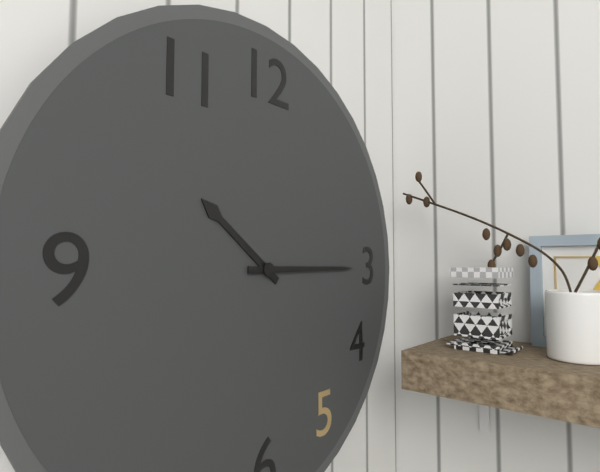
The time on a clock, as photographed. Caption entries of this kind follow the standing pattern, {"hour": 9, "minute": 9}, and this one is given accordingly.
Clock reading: {"hour": 10, "minute": 15}
